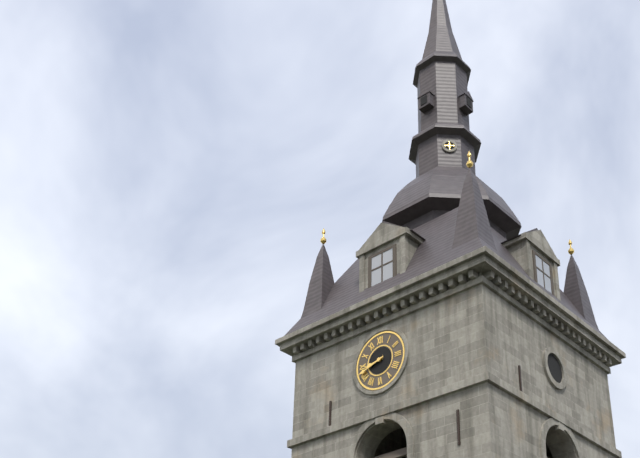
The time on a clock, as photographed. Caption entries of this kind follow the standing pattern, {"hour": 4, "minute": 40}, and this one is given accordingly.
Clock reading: {"hour": 8, "minute": 42}
